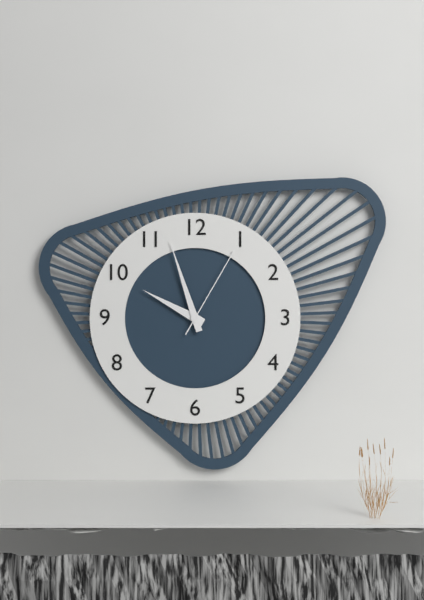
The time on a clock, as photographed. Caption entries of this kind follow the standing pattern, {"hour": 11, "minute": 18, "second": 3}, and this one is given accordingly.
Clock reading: {"hour": 9, "minute": 57, "second": 5}
